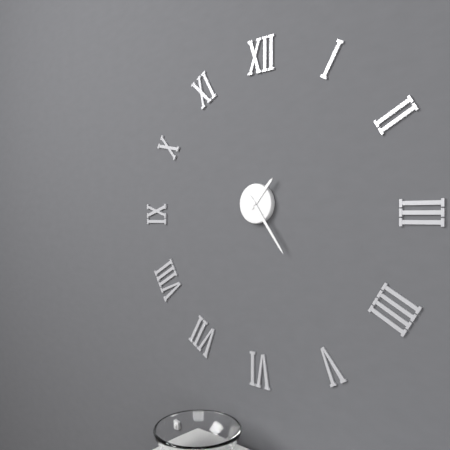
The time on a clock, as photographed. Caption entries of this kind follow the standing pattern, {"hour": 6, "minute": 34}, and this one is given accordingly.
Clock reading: {"hour": 1, "minute": 24}
